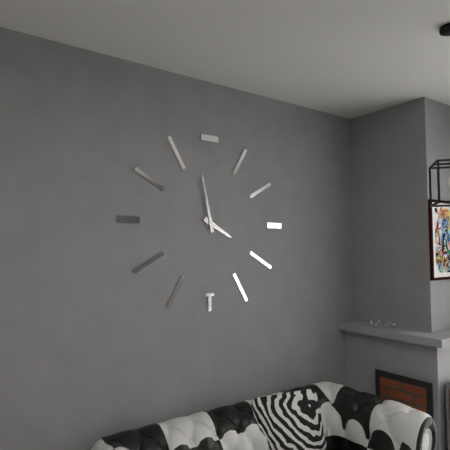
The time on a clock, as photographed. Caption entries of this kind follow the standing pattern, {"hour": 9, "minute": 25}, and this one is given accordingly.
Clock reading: {"hour": 3, "minute": 58}
